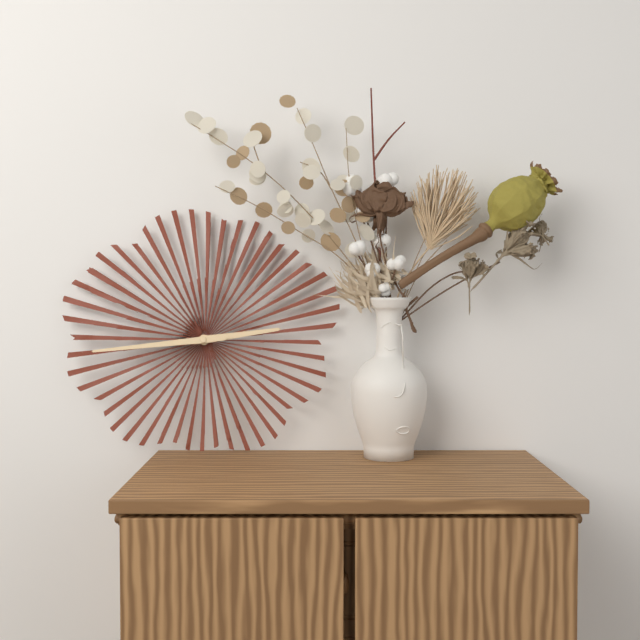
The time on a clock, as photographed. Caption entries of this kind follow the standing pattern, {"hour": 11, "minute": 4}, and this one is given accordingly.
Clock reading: {"hour": 2, "minute": 44}
